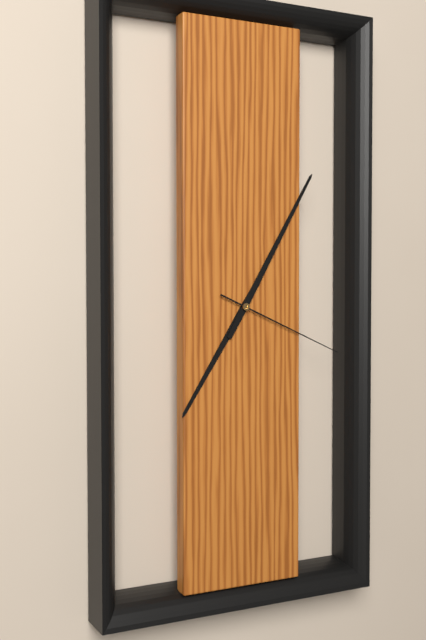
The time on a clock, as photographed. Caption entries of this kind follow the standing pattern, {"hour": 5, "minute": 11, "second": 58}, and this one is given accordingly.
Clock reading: {"hour": 7, "minute": 5, "second": 19}
